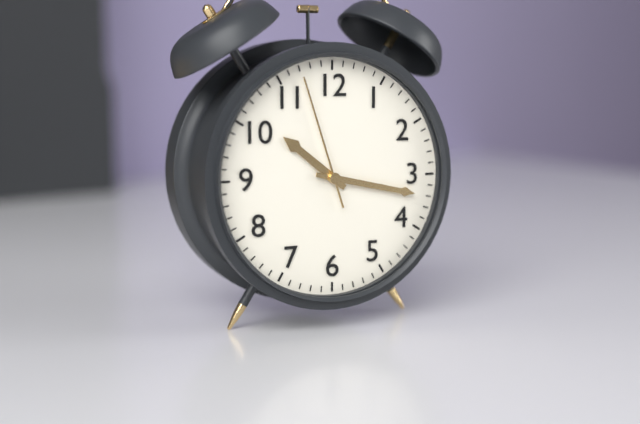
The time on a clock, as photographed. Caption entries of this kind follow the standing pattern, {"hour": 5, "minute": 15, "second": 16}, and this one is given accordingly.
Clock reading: {"hour": 10, "minute": 17, "second": 57}
